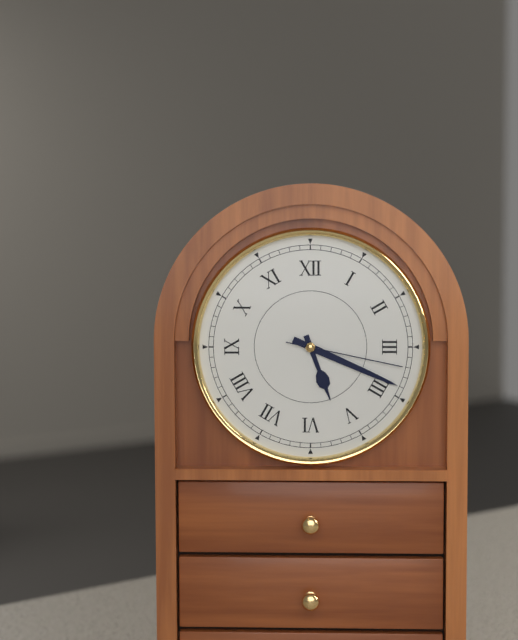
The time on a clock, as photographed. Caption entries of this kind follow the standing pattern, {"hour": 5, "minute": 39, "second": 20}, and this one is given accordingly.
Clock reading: {"hour": 5, "minute": 19, "second": 17}
